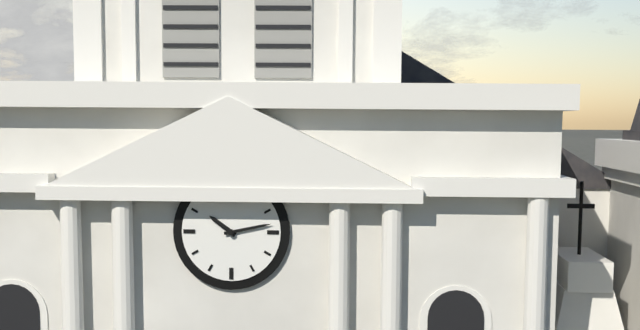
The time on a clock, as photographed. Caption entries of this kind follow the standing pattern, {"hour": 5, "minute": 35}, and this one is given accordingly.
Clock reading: {"hour": 10, "minute": 13}
